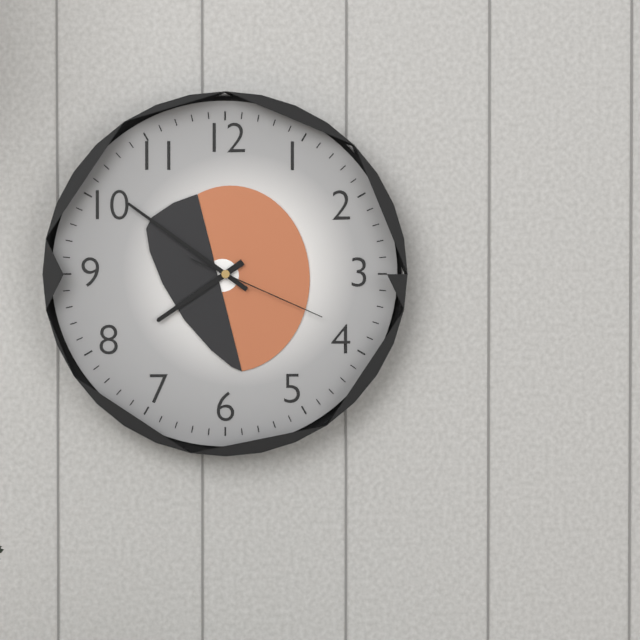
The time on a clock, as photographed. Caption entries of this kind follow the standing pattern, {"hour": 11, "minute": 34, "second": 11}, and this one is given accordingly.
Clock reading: {"hour": 7, "minute": 51, "second": 19}
